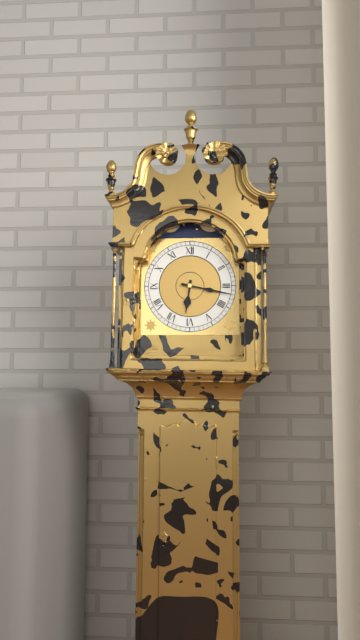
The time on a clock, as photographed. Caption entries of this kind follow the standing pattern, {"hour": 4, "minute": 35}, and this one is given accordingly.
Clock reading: {"hour": 6, "minute": 17}
